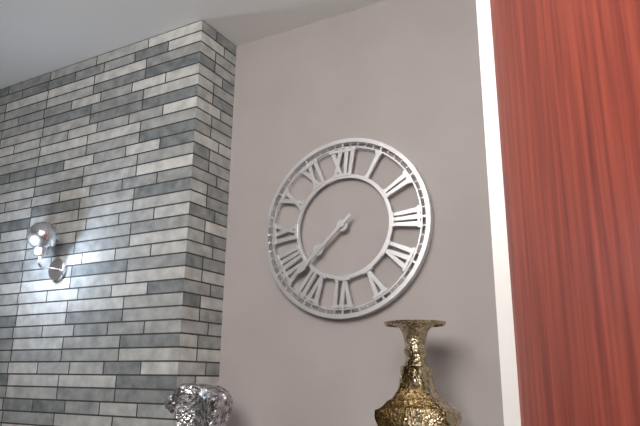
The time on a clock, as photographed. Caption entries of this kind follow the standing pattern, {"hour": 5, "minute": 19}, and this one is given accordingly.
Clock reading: {"hour": 7, "minute": 38}
